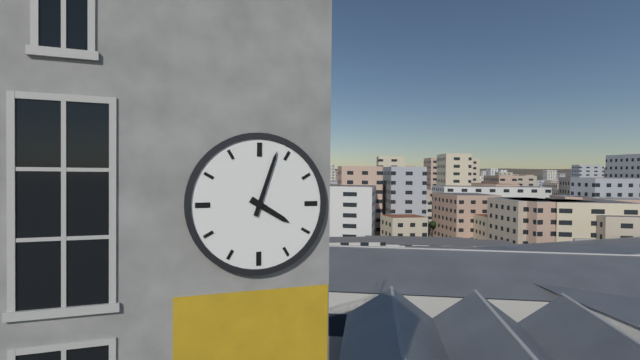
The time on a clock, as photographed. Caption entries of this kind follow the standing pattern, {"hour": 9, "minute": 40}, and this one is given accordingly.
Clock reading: {"hour": 4, "minute": 3}
